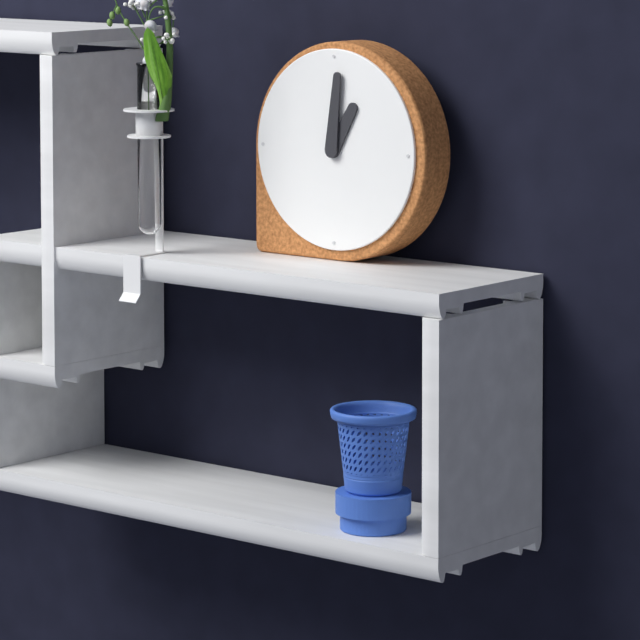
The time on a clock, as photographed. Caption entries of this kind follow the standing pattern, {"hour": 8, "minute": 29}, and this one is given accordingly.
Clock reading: {"hour": 1, "minute": 1}
